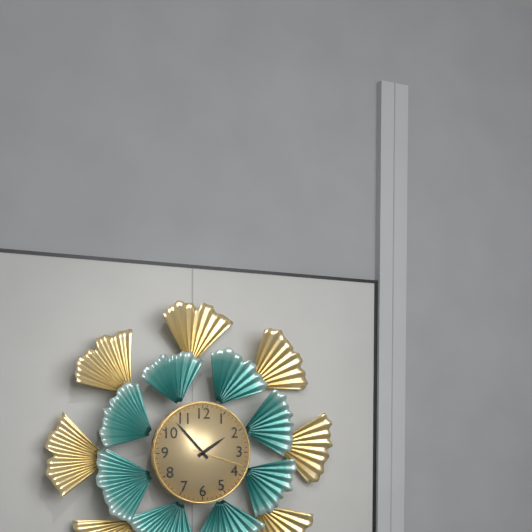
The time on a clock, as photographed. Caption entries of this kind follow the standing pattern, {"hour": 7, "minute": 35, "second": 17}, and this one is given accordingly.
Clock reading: {"hour": 1, "minute": 53, "second": 18}
